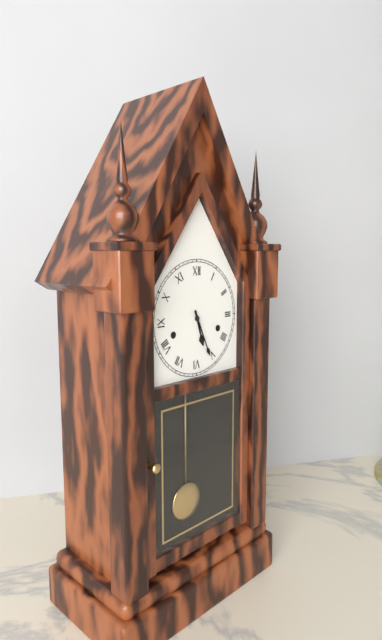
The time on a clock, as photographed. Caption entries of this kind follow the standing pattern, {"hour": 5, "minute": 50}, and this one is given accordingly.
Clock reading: {"hour": 5, "minute": 26}
